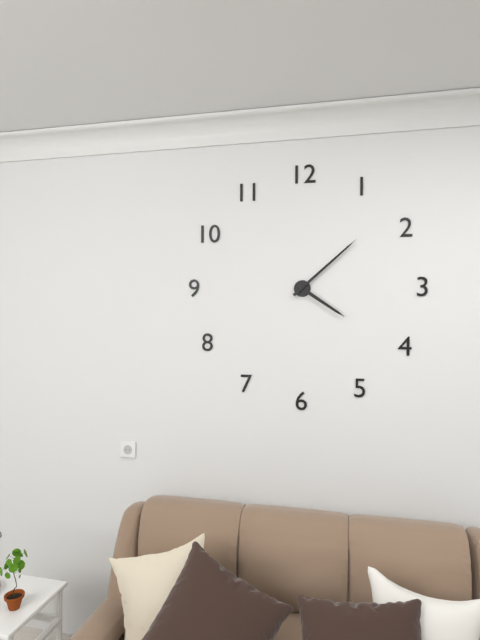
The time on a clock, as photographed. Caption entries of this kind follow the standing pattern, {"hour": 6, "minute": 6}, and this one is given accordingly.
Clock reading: {"hour": 4, "minute": 8}
